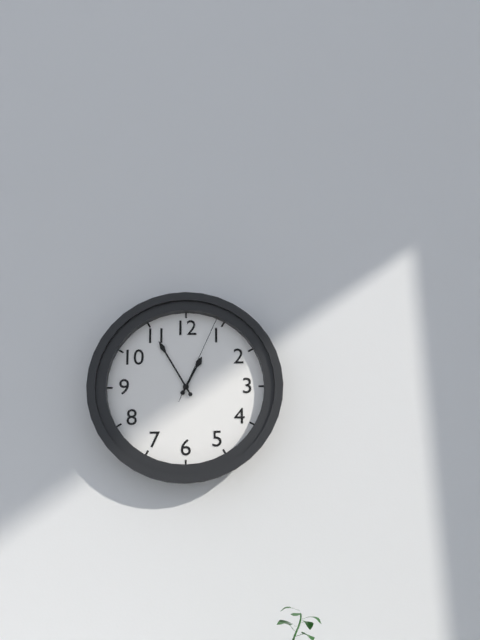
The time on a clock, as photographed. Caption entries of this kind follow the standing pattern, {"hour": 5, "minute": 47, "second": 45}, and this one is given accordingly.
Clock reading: {"hour": 12, "minute": 55, "second": 4}
